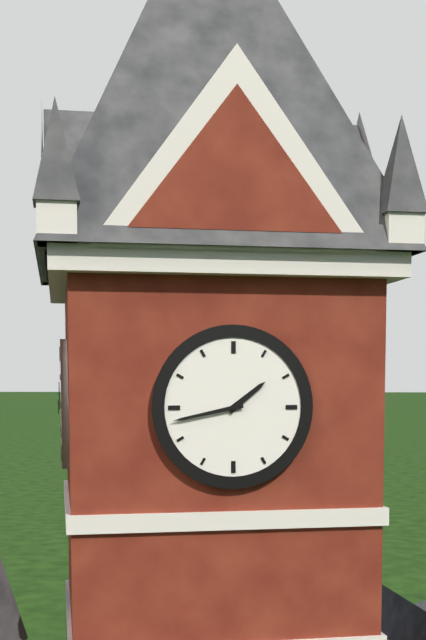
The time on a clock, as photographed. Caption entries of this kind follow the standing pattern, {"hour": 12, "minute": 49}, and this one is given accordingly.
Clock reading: {"hour": 1, "minute": 43}
